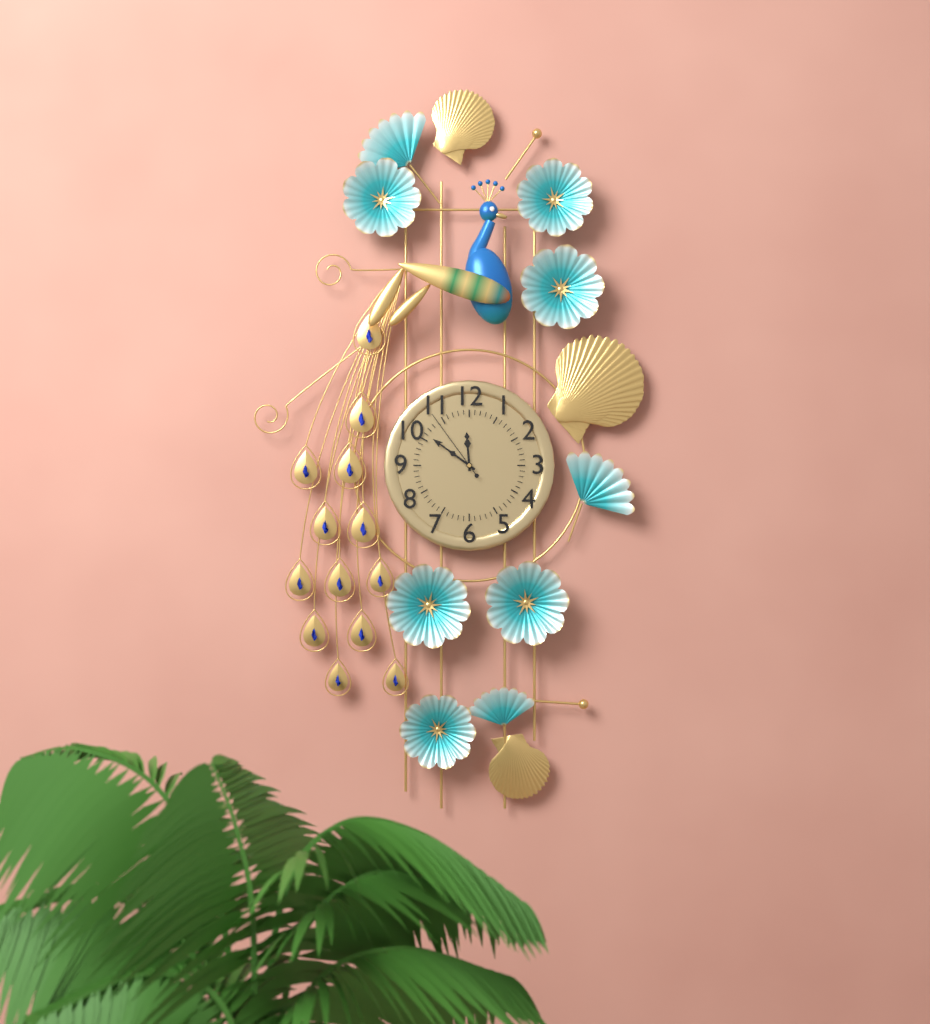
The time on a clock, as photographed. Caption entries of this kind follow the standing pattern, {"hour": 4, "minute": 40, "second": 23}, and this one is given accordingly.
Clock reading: {"hour": 11, "minute": 51, "second": 54}
